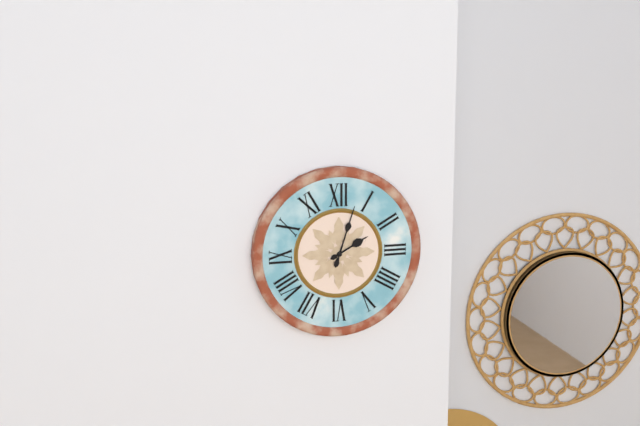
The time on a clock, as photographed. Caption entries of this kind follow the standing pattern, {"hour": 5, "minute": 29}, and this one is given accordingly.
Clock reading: {"hour": 2, "minute": 3}
